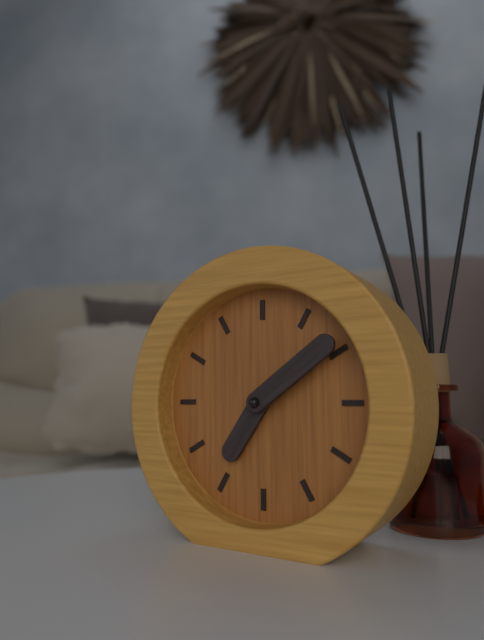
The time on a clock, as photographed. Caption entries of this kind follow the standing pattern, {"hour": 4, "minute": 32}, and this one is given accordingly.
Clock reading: {"hour": 7, "minute": 9}
